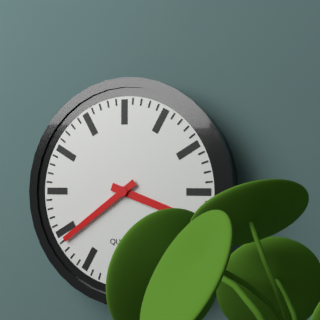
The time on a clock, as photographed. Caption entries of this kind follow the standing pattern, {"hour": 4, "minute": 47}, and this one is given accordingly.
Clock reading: {"hour": 3, "minute": 39}
